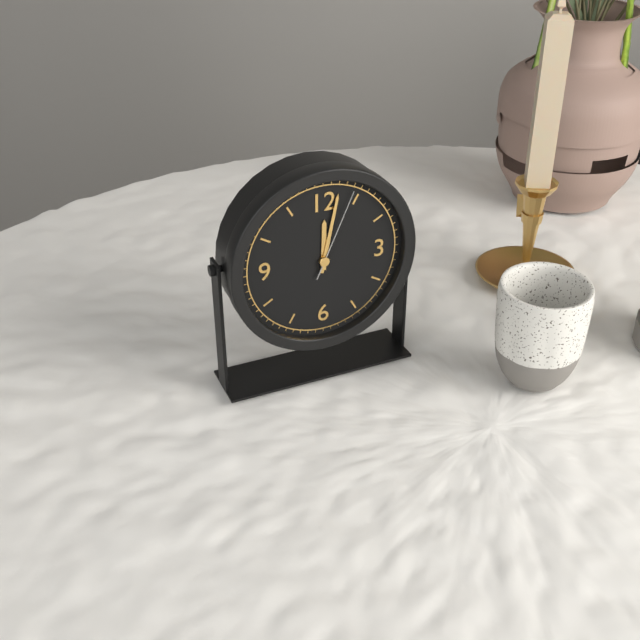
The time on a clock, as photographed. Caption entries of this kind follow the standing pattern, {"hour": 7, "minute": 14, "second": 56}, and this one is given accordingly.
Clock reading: {"hour": 12, "minute": 2, "second": 4}
